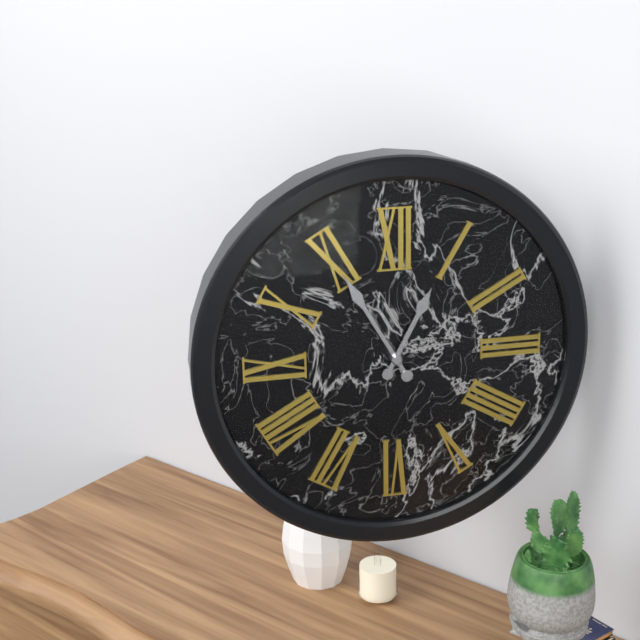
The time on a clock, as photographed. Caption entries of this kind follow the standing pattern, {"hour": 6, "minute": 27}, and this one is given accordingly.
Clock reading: {"hour": 12, "minute": 55}
